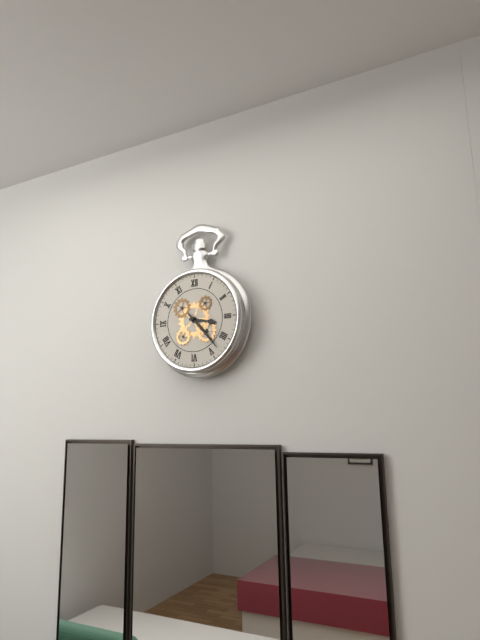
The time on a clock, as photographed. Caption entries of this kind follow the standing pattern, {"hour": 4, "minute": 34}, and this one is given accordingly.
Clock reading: {"hour": 3, "minute": 23}
